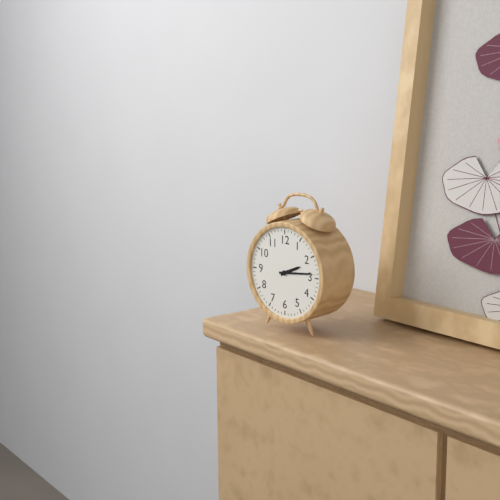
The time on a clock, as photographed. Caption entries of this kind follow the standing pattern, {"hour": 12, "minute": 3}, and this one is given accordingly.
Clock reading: {"hour": 2, "minute": 14}
